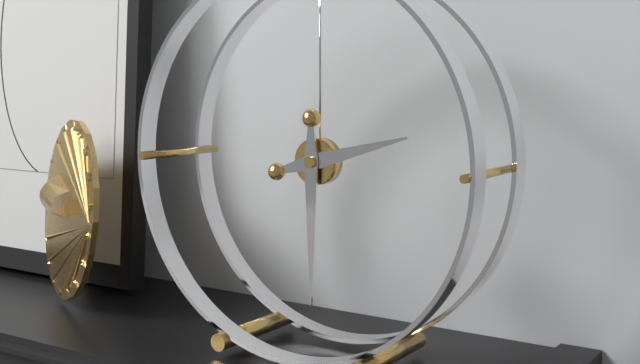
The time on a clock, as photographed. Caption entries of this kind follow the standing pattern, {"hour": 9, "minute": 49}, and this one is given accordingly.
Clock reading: {"hour": 2, "minute": 30}
